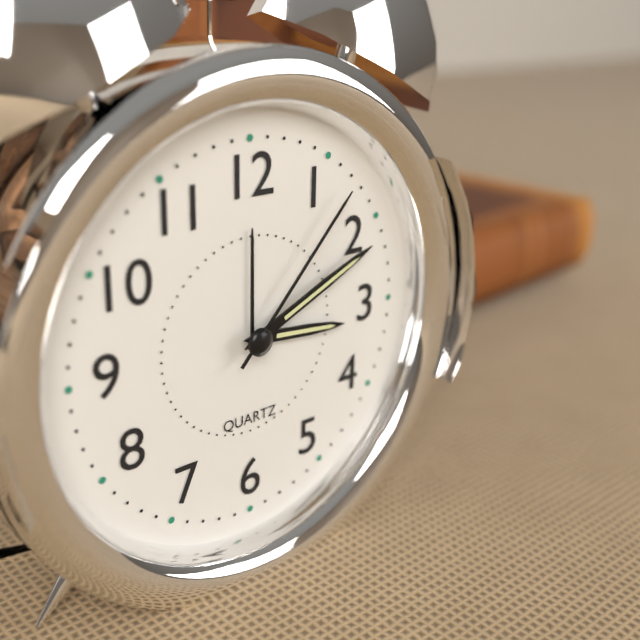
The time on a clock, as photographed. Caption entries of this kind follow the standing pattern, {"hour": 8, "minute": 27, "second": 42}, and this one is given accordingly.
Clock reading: {"hour": 3, "minute": 11, "second": 7}
